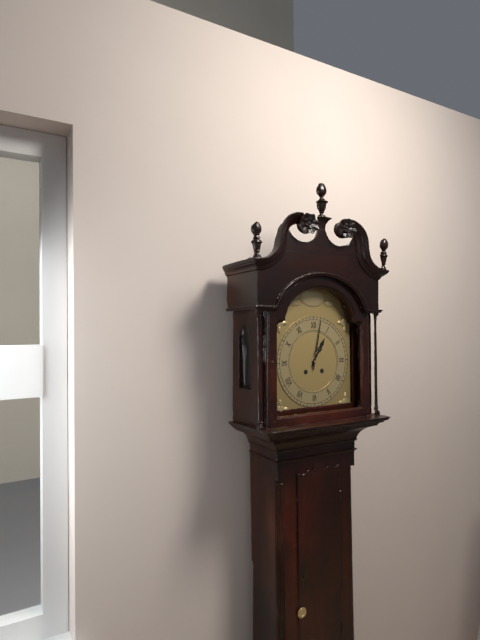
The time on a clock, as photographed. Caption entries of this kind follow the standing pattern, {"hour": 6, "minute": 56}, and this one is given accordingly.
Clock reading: {"hour": 1, "minute": 2}
